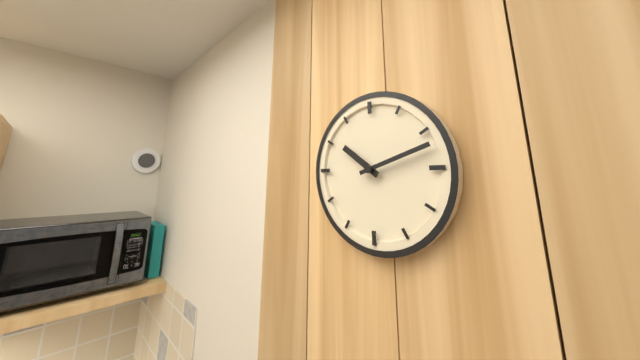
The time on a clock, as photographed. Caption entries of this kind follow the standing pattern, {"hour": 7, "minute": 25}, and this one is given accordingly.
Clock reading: {"hour": 10, "minute": 12}
